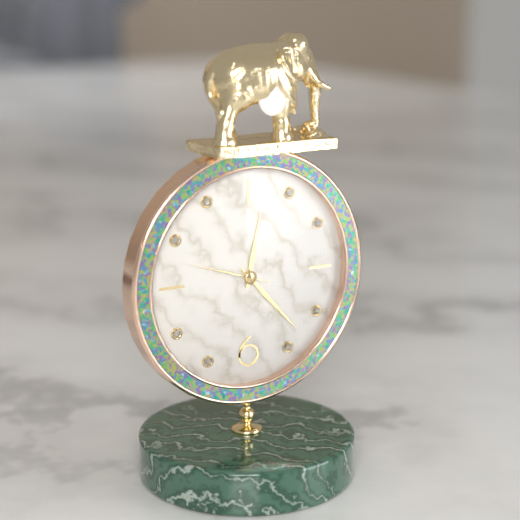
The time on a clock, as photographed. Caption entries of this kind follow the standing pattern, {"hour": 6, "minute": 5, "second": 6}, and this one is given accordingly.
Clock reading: {"hour": 12, "minute": 23, "second": 48}
